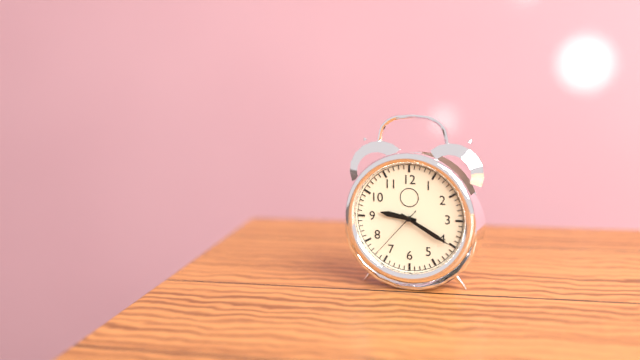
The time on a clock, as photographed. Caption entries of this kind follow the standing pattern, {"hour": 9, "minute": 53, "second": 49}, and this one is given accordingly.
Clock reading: {"hour": 9, "minute": 20, "second": 37}
